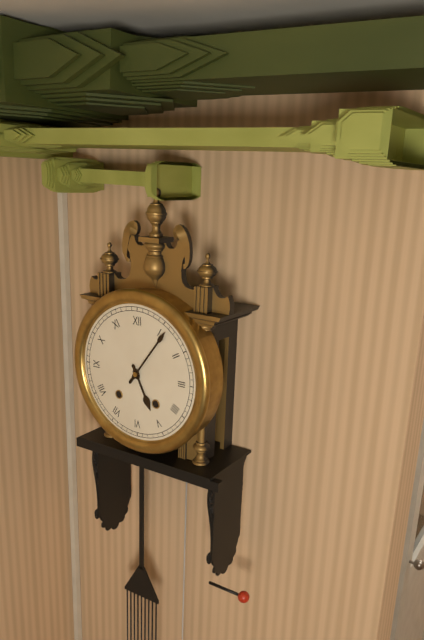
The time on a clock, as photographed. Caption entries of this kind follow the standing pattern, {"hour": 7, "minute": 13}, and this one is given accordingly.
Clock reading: {"hour": 5, "minute": 6}
